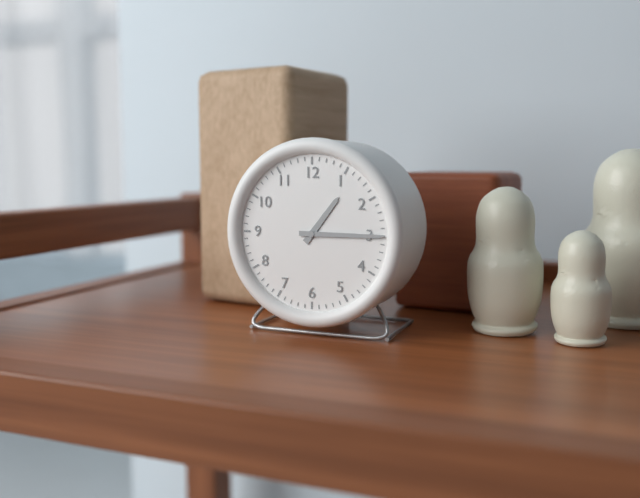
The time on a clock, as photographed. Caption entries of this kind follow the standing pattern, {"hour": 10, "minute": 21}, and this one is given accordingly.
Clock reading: {"hour": 1, "minute": 15}
